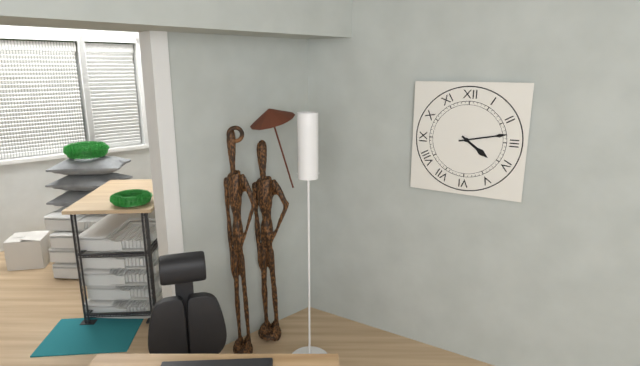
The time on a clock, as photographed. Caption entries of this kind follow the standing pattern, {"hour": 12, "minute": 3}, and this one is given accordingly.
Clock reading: {"hour": 4, "minute": 13}
